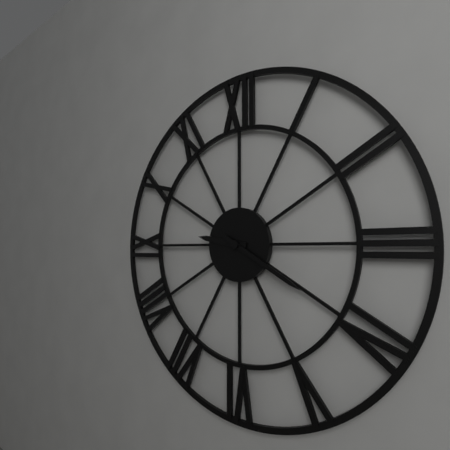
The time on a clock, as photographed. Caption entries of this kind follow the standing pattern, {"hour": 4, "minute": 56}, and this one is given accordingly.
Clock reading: {"hour": 9, "minute": 20}
